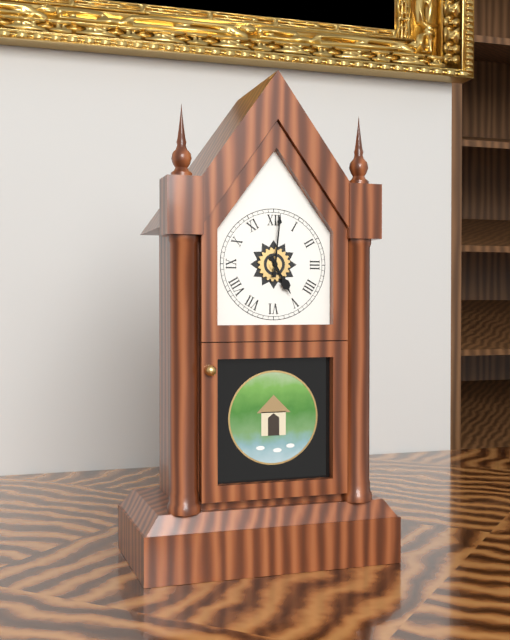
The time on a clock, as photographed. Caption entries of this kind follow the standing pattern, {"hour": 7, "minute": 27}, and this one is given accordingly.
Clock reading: {"hour": 5, "minute": 1}
